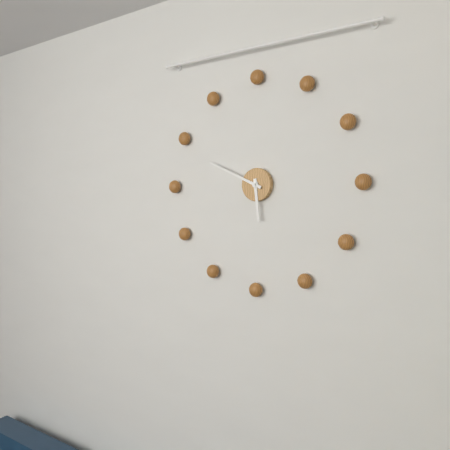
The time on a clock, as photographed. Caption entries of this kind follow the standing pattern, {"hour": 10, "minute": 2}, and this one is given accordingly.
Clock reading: {"hour": 5, "minute": 49}
